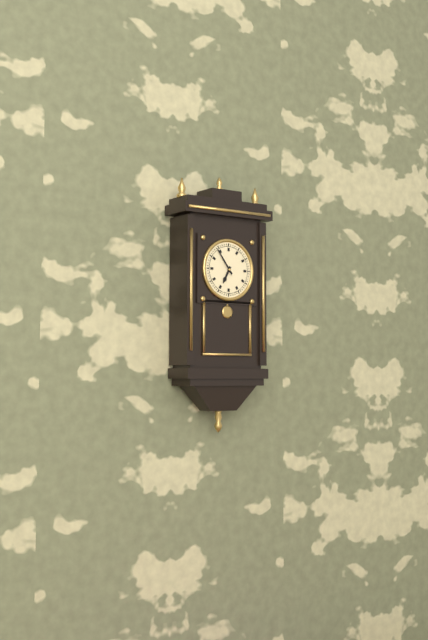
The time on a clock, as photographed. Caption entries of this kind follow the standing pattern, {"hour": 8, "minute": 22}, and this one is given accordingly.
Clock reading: {"hour": 6, "minute": 54}
